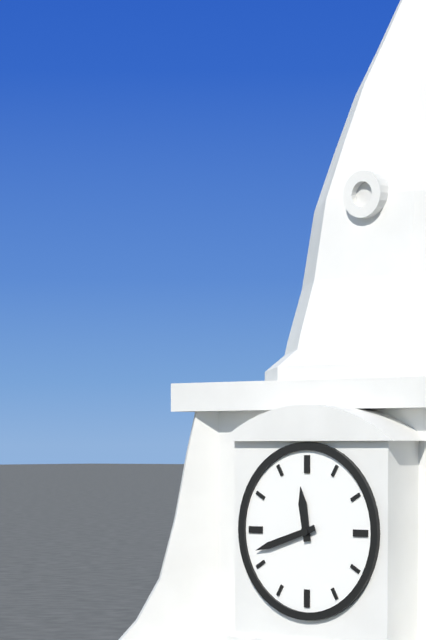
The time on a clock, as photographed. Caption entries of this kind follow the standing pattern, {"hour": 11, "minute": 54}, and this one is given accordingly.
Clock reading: {"hour": 11, "minute": 42}
